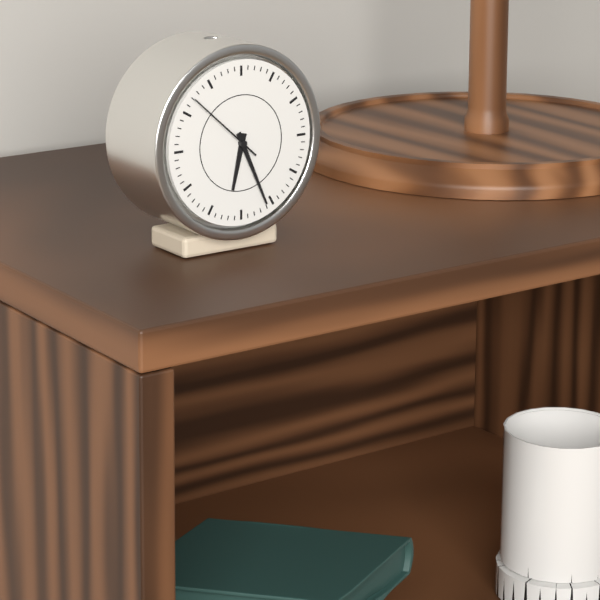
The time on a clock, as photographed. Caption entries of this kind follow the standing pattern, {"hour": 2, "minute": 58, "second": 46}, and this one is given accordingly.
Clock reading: {"hour": 6, "minute": 26, "second": 52}
